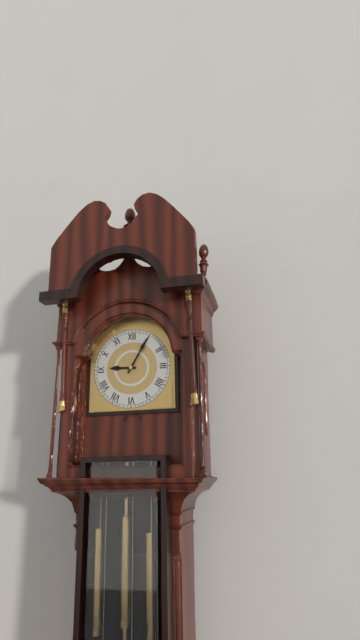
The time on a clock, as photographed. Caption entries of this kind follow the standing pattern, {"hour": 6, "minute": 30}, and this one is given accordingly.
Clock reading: {"hour": 9, "minute": 5}
